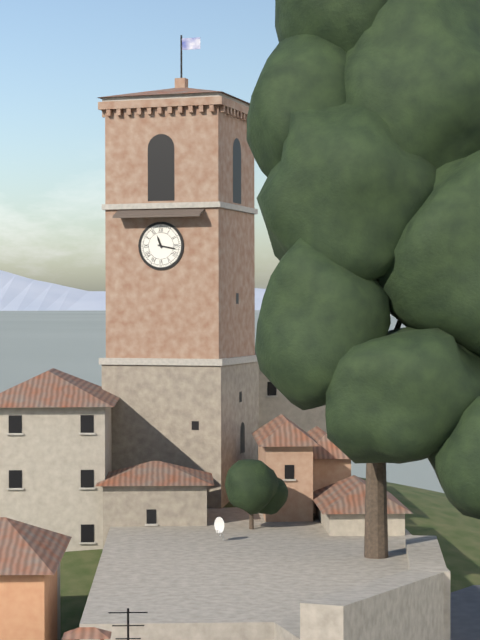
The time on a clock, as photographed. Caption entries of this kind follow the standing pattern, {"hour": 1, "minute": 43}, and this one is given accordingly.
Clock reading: {"hour": 11, "minute": 17}
